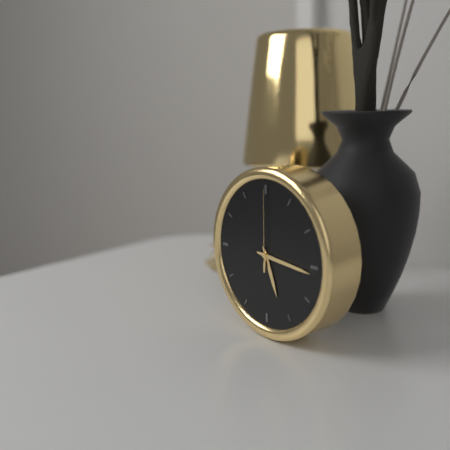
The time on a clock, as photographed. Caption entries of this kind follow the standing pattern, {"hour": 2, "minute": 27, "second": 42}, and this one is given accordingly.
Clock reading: {"hour": 5, "minute": 16, "second": 0}
